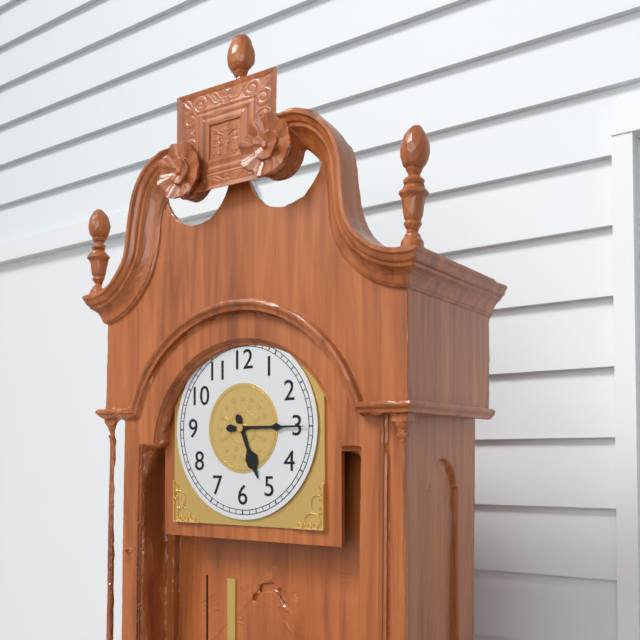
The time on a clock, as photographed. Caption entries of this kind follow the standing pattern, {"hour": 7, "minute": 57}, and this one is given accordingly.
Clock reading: {"hour": 5, "minute": 15}
